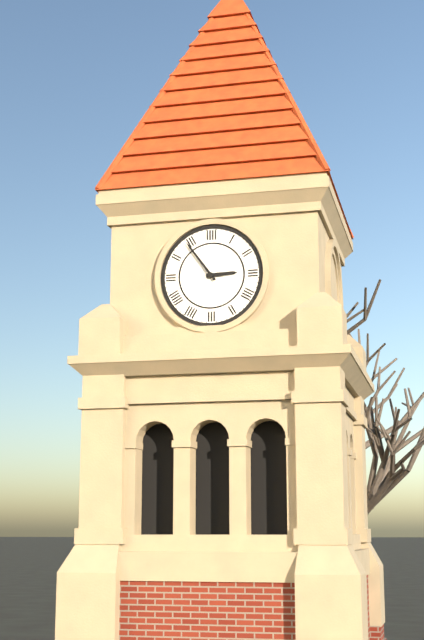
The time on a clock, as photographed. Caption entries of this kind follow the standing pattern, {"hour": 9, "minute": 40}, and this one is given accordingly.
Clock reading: {"hour": 2, "minute": 54}
